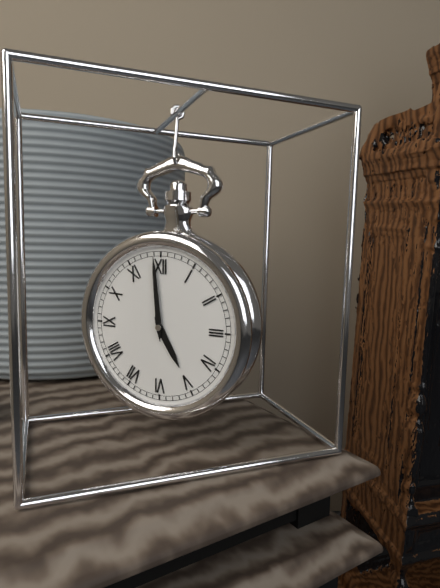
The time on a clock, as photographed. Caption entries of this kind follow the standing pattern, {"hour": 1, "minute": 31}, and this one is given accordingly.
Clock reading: {"hour": 4, "minute": 59}
